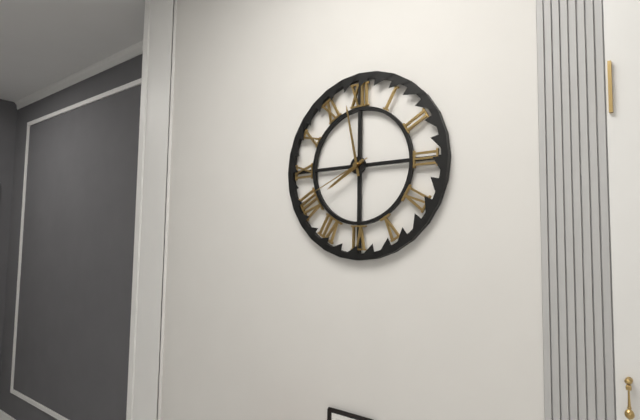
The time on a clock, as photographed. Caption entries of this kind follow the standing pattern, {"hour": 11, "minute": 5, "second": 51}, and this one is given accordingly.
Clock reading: {"hour": 7, "minute": 58, "second": 41}
